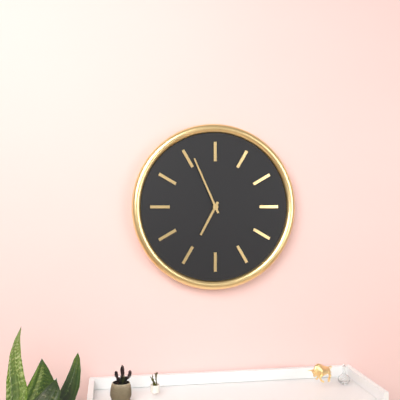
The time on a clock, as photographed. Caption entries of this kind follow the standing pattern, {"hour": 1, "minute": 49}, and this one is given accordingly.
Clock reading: {"hour": 6, "minute": 56}
